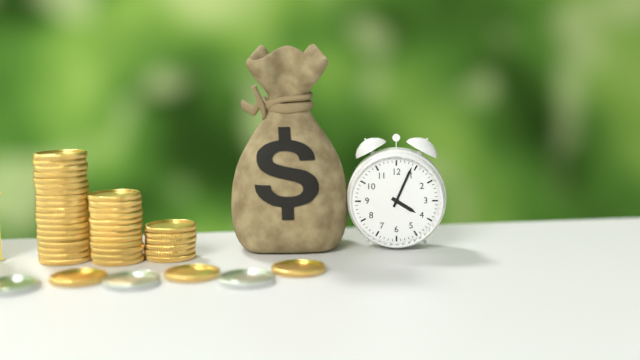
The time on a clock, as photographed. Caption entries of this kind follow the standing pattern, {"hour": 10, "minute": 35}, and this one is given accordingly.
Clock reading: {"hour": 4, "minute": 4}
